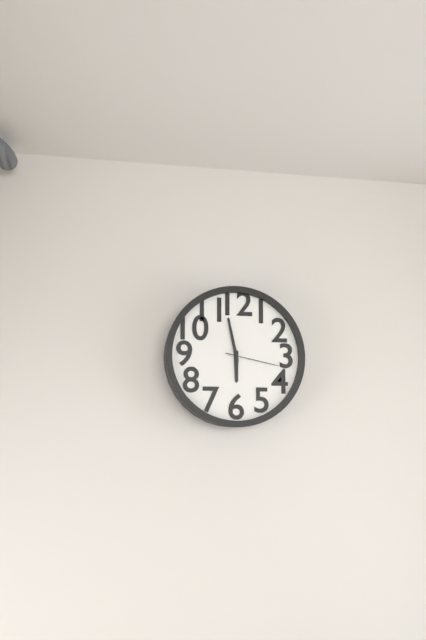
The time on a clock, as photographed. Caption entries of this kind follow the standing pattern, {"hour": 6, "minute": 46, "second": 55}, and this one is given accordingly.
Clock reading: {"hour": 5, "minute": 58, "second": 17}
